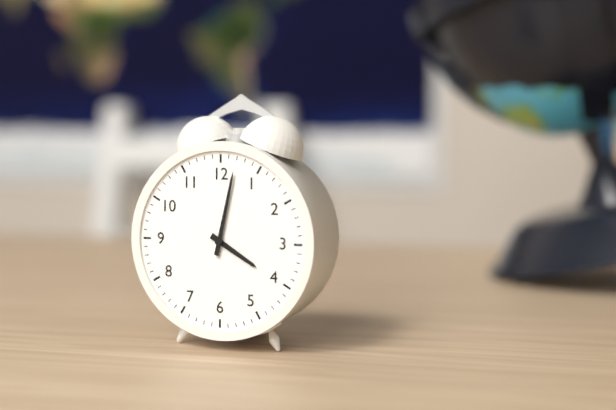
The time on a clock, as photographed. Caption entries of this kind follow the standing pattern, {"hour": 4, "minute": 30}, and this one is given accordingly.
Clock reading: {"hour": 4, "minute": 2}
